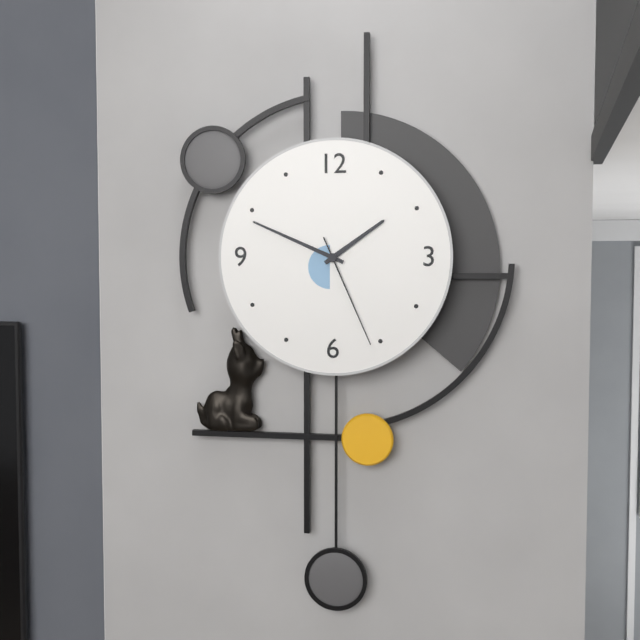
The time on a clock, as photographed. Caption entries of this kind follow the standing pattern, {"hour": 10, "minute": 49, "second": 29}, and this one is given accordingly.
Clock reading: {"hour": 1, "minute": 49, "second": 26}
